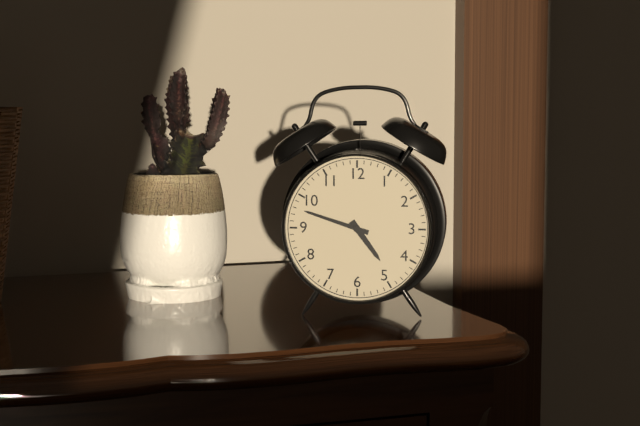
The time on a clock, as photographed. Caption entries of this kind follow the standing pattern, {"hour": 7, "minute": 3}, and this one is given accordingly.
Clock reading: {"hour": 4, "minute": 48}
